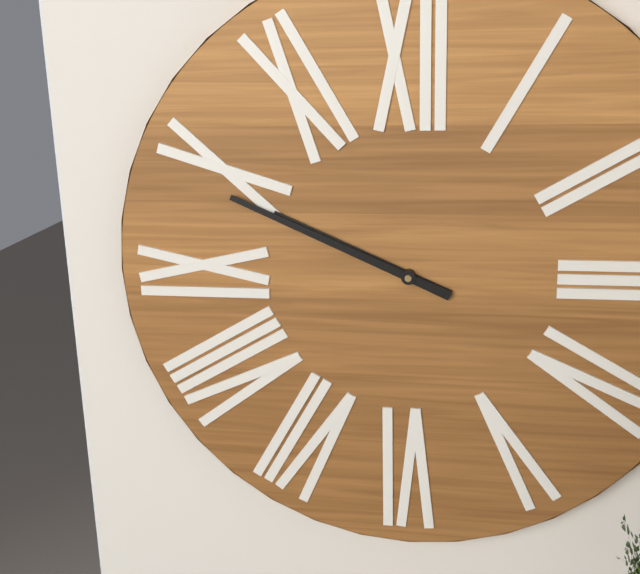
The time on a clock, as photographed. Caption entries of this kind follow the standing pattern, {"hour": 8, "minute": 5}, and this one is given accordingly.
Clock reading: {"hour": 9, "minute": 49}
